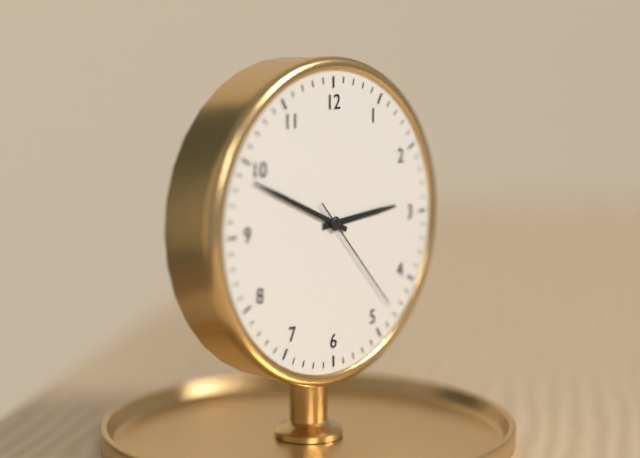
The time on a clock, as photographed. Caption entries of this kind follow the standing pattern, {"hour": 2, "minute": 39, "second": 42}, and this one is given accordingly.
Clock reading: {"hour": 2, "minute": 49, "second": 23}
